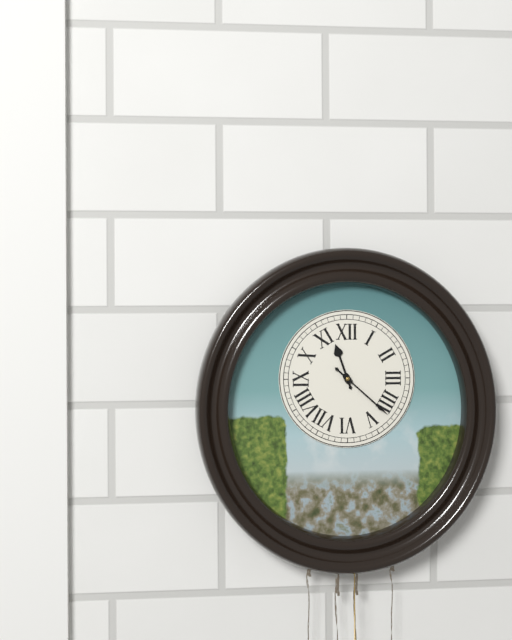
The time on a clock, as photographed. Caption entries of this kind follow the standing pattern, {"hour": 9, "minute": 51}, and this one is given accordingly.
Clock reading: {"hour": 11, "minute": 22}
